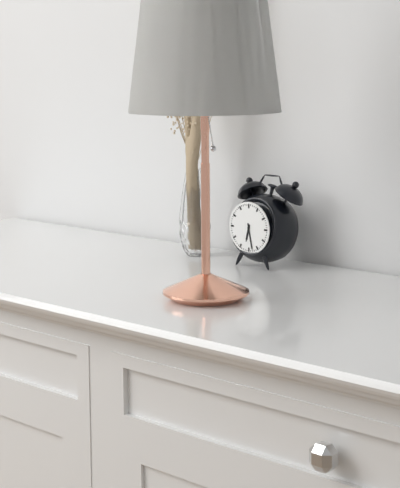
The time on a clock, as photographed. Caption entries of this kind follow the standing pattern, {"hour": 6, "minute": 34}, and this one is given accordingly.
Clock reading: {"hour": 6, "minute": 28}
